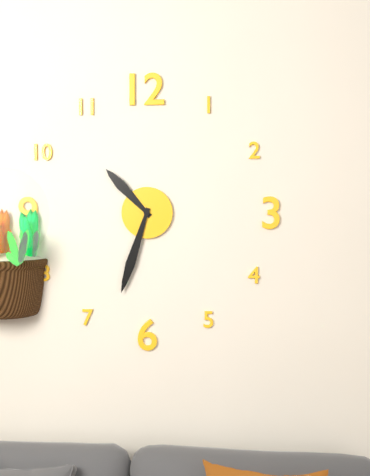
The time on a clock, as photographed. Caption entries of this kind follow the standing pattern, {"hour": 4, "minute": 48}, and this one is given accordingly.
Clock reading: {"hour": 10, "minute": 33}
